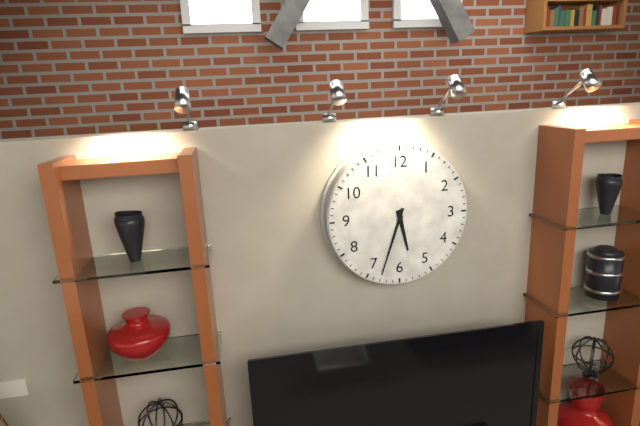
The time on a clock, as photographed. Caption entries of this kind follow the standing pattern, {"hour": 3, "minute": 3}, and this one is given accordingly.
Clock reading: {"hour": 5, "minute": 33}
